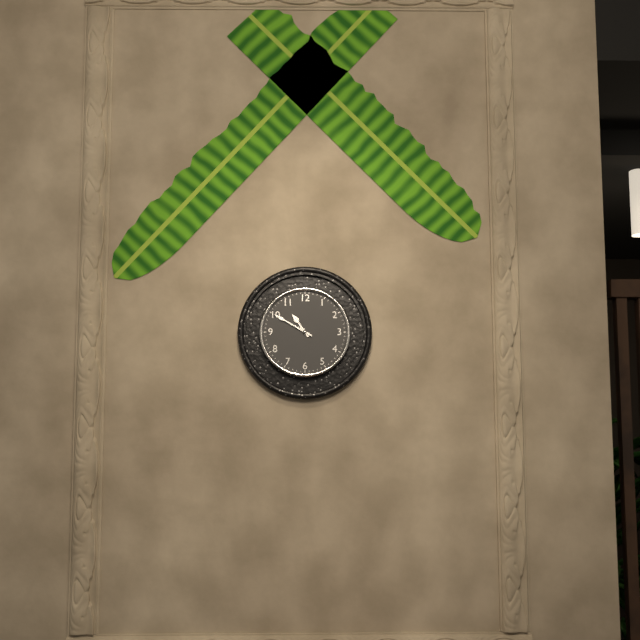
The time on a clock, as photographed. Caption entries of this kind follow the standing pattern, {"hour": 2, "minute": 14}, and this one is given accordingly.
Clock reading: {"hour": 10, "minute": 50}
